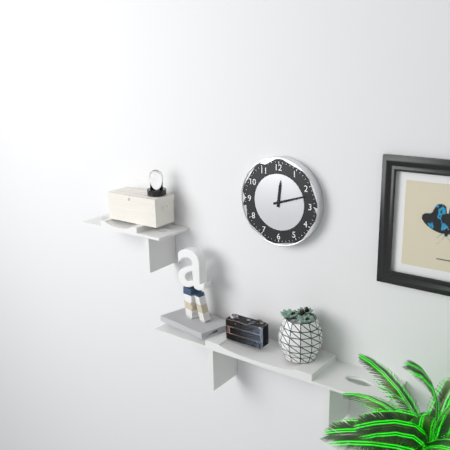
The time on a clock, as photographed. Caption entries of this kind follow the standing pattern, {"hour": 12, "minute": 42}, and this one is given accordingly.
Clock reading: {"hour": 12, "minute": 12}
